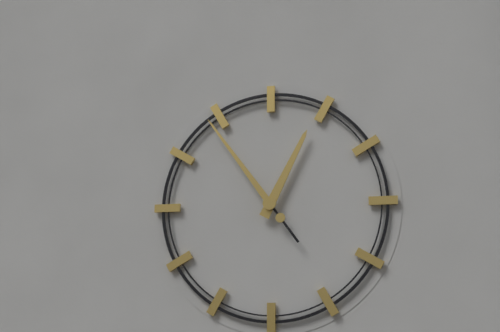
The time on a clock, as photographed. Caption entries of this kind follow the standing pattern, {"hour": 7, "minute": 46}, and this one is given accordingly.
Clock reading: {"hour": 12, "minute": 54}
